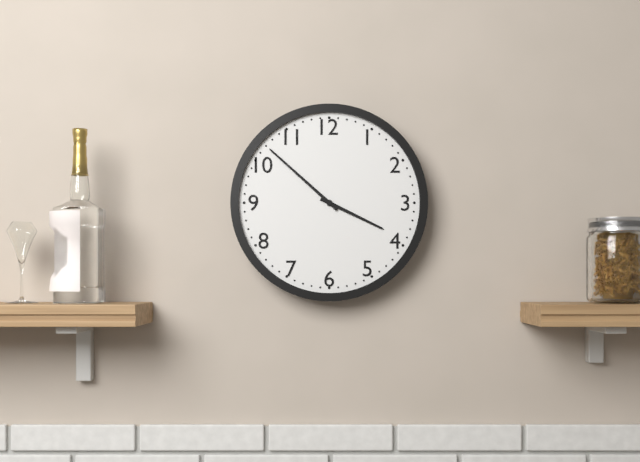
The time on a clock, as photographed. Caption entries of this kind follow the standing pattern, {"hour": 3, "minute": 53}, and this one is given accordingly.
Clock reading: {"hour": 3, "minute": 52}
